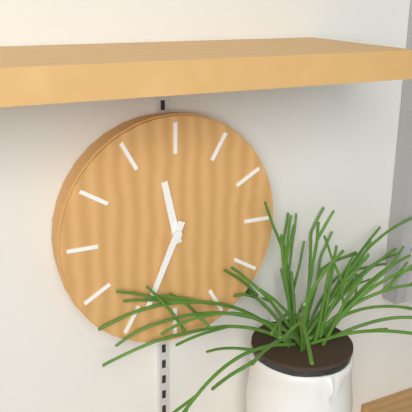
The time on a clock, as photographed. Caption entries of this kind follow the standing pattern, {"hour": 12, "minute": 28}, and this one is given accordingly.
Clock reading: {"hour": 11, "minute": 34}
